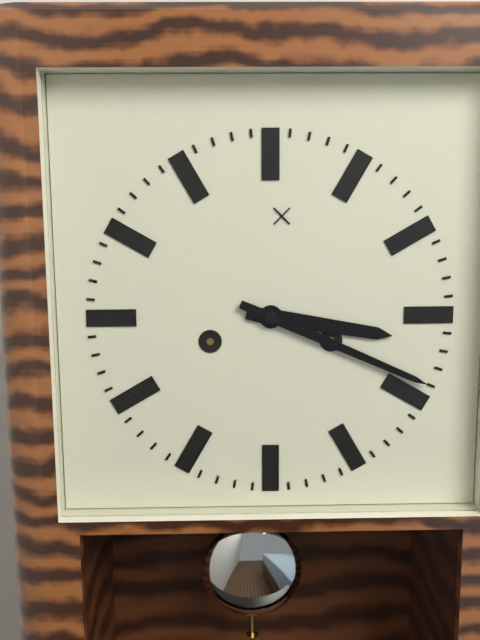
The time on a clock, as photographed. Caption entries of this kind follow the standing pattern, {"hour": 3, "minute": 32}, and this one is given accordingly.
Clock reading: {"hour": 3, "minute": 19}
